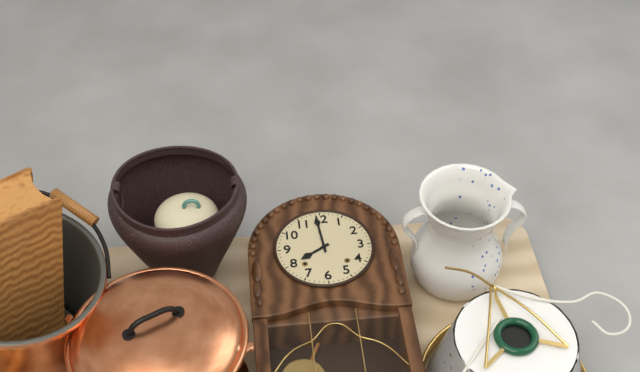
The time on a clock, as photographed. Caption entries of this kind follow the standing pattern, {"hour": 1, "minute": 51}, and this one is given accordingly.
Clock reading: {"hour": 7, "minute": 59}
